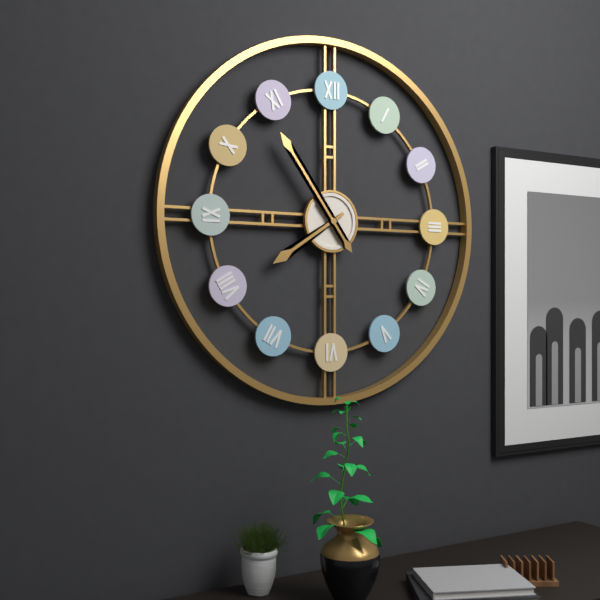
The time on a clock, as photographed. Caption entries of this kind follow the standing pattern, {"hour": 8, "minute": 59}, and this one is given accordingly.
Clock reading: {"hour": 7, "minute": 54}
